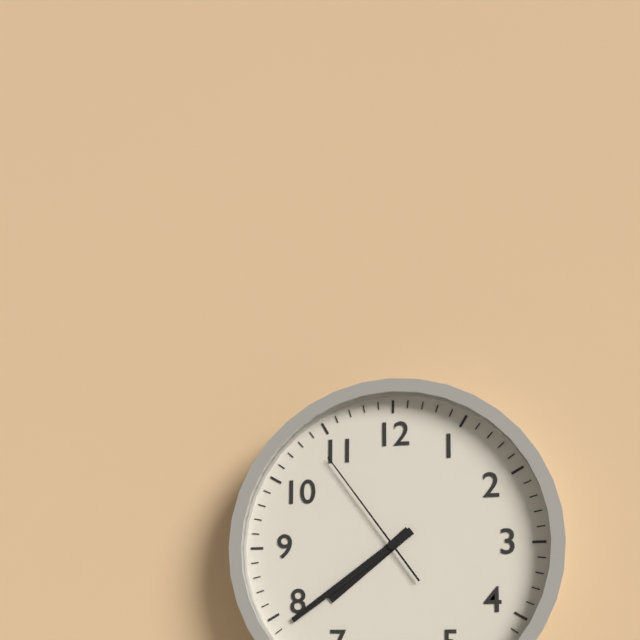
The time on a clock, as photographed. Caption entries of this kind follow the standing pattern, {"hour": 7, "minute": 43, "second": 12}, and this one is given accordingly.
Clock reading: {"hour": 7, "minute": 39, "second": 54}
